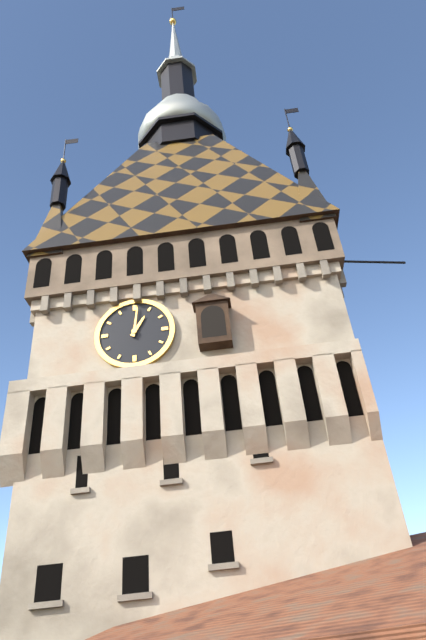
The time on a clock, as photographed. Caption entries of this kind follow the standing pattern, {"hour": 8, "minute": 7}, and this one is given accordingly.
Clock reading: {"hour": 1, "minute": 1}
